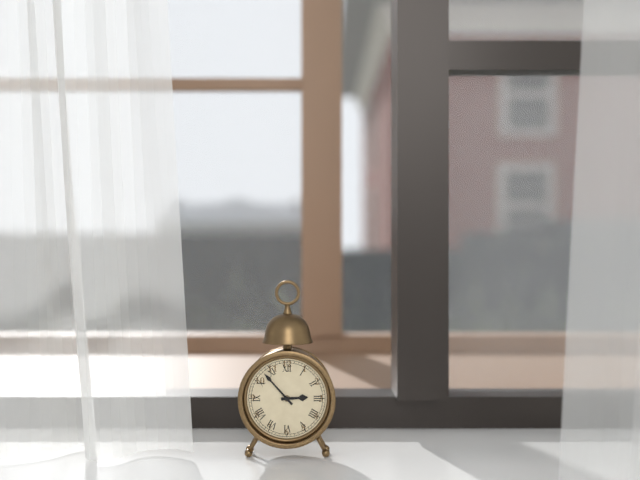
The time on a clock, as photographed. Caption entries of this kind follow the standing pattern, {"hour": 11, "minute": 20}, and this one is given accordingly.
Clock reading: {"hour": 2, "minute": 53}
